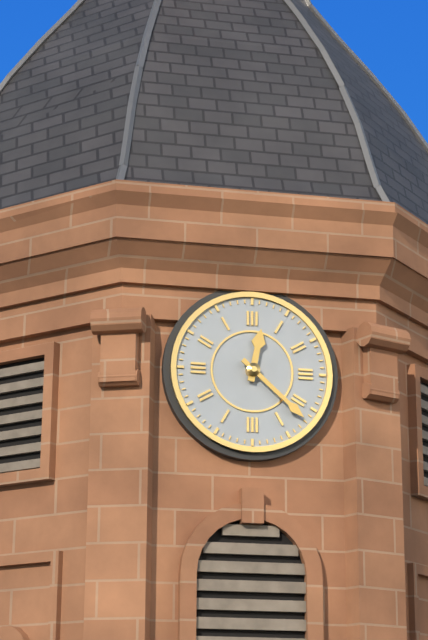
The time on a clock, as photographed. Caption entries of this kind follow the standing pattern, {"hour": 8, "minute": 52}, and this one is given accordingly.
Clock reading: {"hour": 12, "minute": 22}
